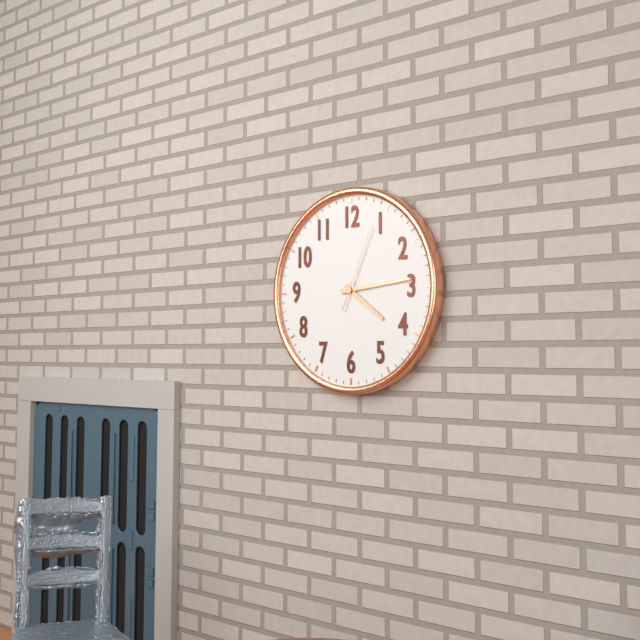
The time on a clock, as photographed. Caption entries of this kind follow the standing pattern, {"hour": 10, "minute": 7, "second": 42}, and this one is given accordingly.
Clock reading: {"hour": 4, "minute": 14, "second": 4}
